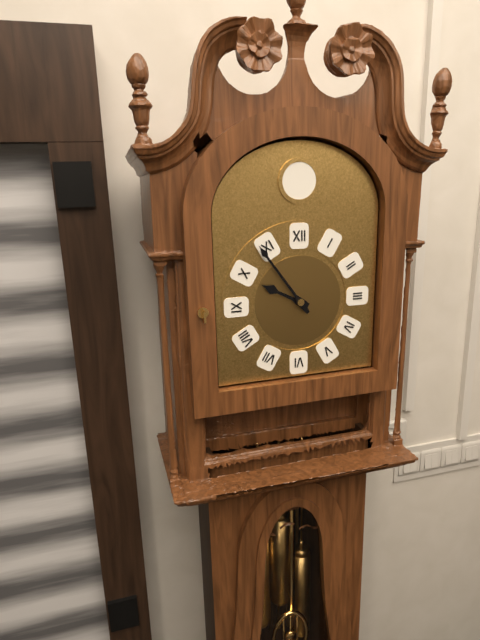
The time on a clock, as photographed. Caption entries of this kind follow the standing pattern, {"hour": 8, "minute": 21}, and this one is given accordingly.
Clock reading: {"hour": 9, "minute": 54}
